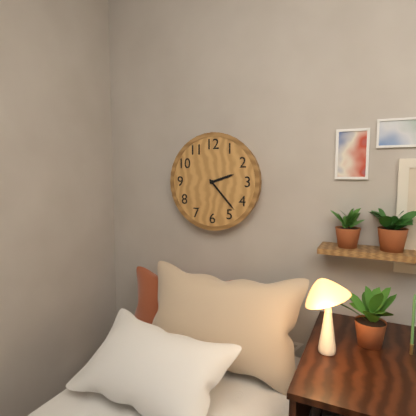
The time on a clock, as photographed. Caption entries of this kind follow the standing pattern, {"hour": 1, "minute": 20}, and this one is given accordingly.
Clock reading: {"hour": 2, "minute": 23}
